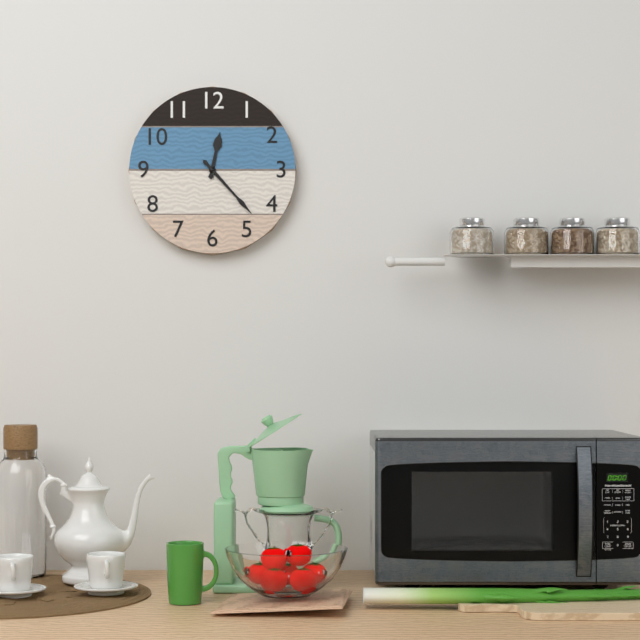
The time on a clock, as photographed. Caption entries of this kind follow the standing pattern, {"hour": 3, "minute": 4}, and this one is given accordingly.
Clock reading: {"hour": 12, "minute": 23}
